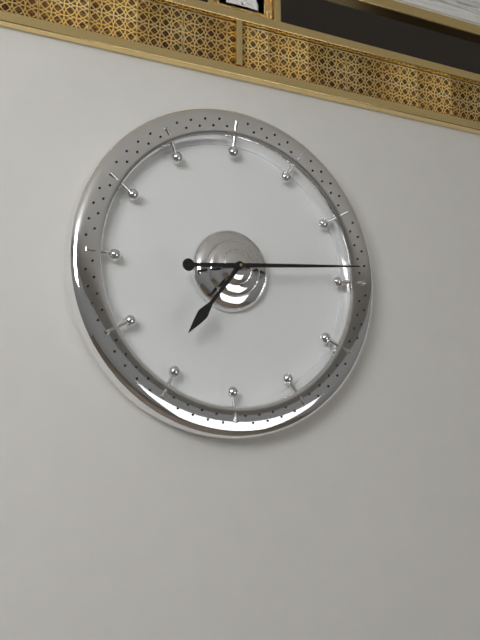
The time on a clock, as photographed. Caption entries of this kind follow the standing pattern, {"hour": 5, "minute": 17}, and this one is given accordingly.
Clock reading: {"hour": 7, "minute": 14}
